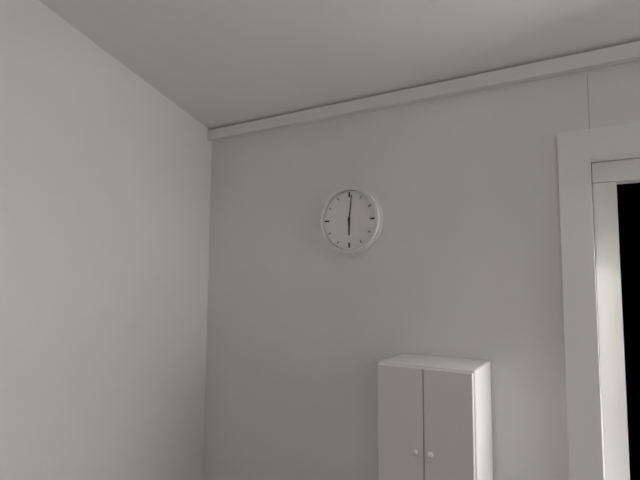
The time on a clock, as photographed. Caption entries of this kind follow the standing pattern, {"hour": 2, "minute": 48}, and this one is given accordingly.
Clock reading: {"hour": 6, "minute": 1}
